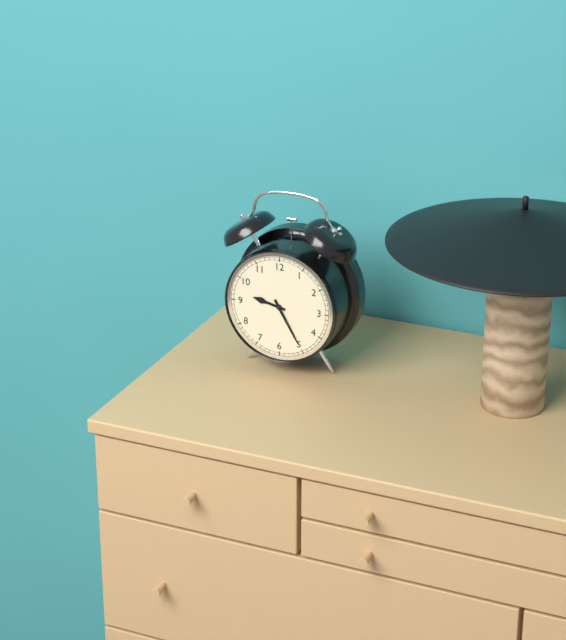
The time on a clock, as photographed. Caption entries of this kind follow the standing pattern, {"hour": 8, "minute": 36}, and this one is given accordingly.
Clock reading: {"hour": 9, "minute": 25}
